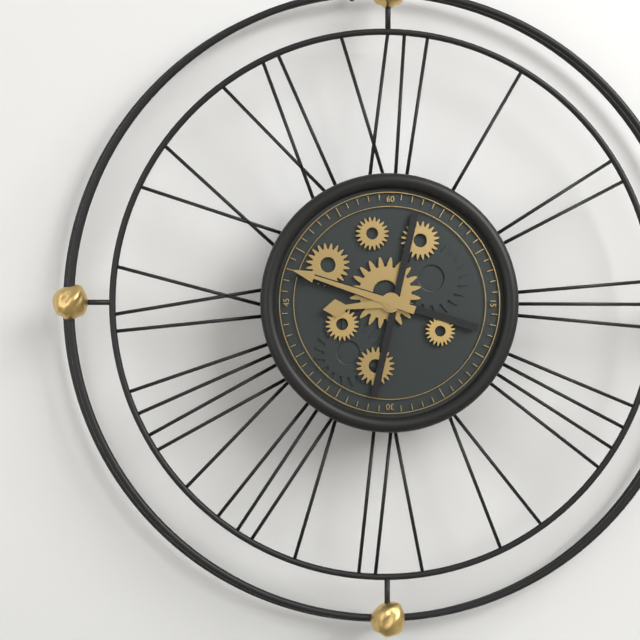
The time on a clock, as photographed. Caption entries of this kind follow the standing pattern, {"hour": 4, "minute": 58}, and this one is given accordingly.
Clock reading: {"hour": 8, "minute": 48}
